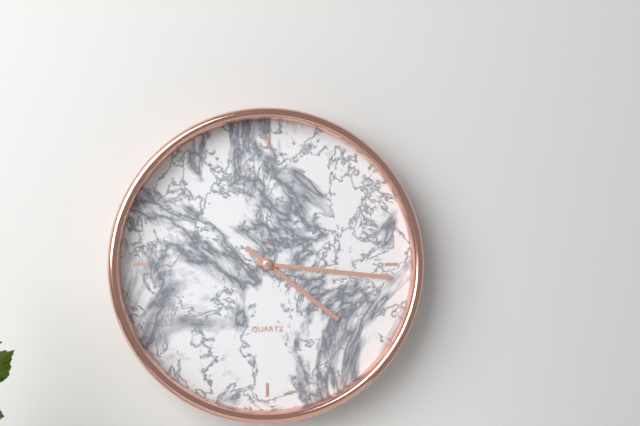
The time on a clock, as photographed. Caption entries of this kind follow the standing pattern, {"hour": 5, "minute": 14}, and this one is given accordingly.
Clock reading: {"hour": 4, "minute": 16}
